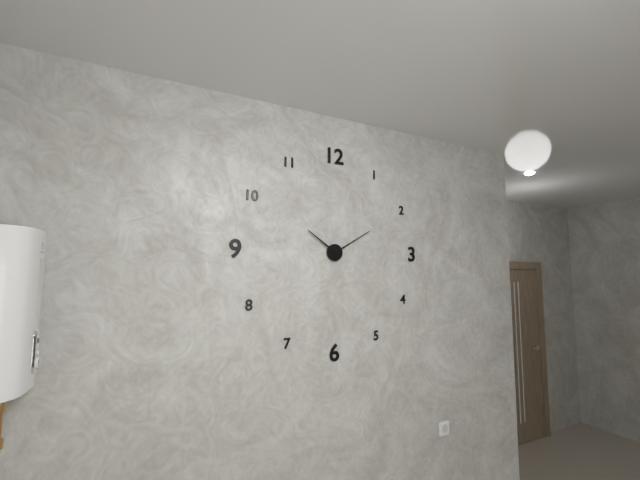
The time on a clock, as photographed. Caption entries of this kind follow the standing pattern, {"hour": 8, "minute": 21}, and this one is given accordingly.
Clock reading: {"hour": 10, "minute": 10}
